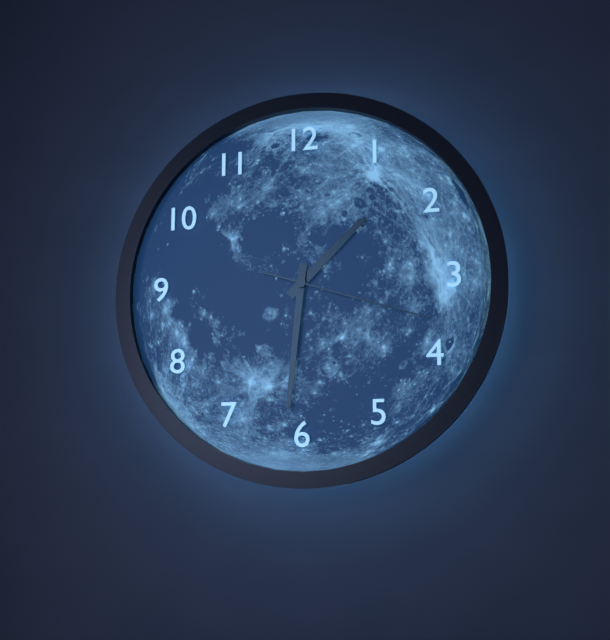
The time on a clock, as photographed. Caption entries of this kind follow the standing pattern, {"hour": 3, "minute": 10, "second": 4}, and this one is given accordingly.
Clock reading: {"hour": 1, "minute": 31, "second": 18}
